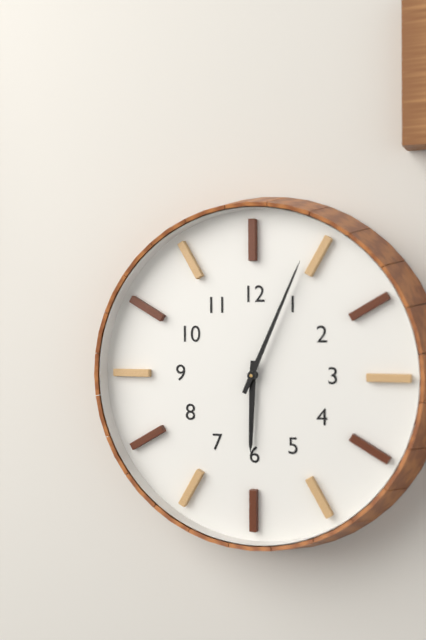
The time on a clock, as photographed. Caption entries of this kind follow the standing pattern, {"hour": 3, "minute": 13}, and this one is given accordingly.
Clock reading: {"hour": 6, "minute": 4}
